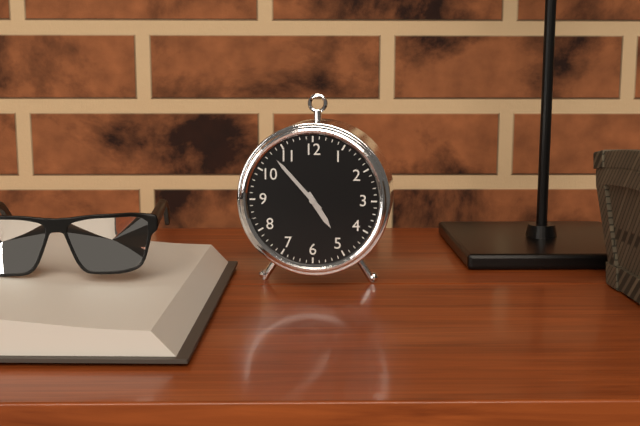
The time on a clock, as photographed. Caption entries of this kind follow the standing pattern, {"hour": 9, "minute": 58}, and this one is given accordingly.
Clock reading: {"hour": 4, "minute": 53}
